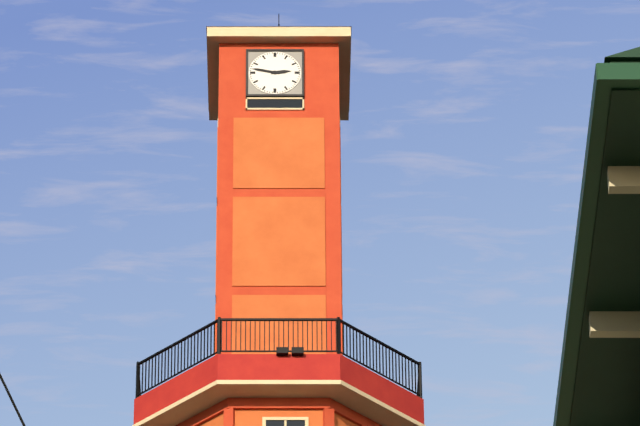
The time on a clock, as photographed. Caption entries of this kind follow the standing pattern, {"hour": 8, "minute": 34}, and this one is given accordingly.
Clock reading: {"hour": 2, "minute": 47}
